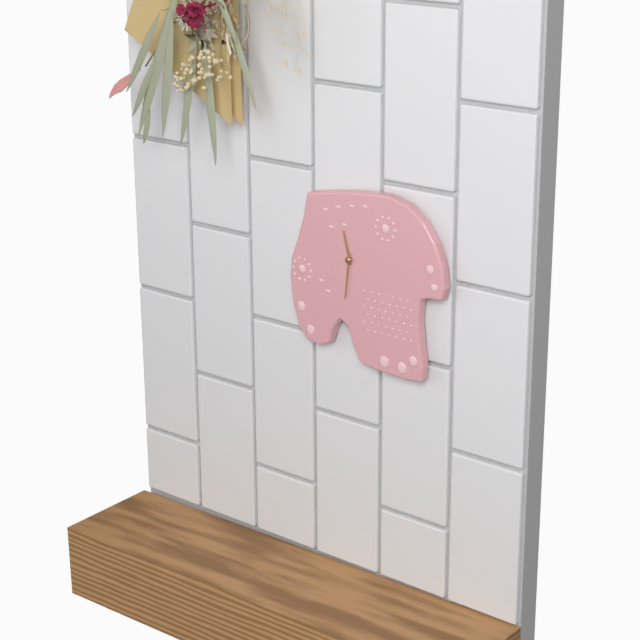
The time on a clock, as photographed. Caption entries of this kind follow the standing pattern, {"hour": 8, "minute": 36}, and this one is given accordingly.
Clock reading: {"hour": 11, "minute": 31}
